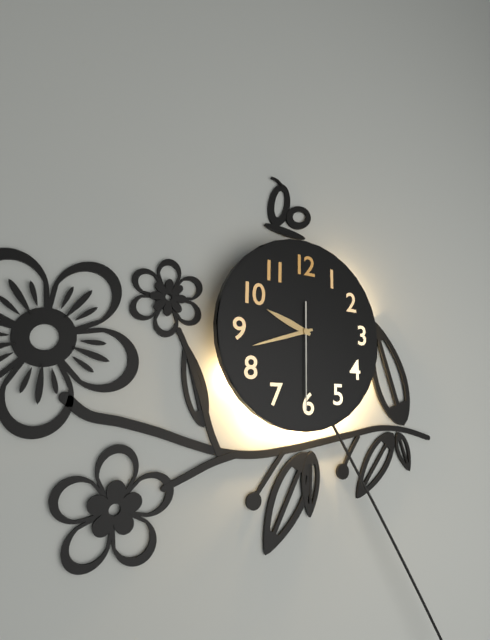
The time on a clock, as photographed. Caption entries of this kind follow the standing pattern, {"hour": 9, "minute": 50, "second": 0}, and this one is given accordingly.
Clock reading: {"hour": 9, "minute": 42, "second": 30}
